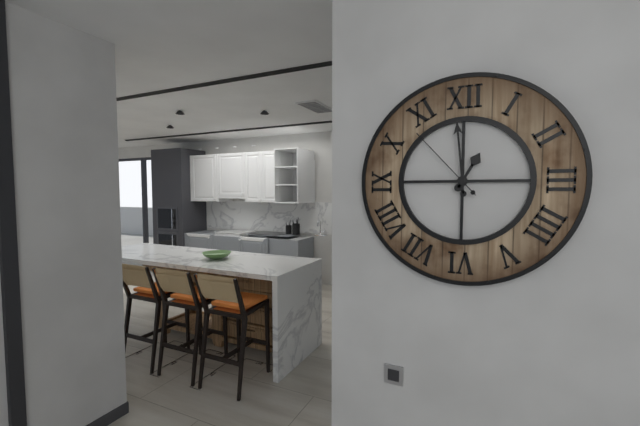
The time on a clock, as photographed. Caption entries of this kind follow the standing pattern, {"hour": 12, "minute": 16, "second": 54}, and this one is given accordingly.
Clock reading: {"hour": 12, "minute": 59, "second": 53}
